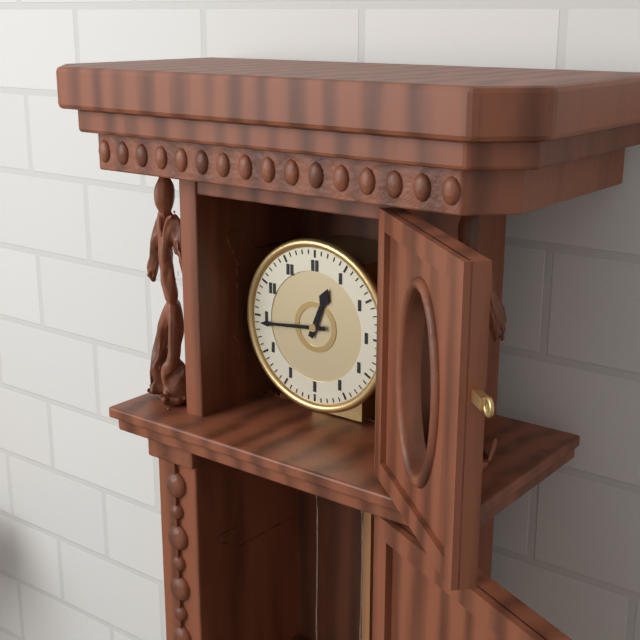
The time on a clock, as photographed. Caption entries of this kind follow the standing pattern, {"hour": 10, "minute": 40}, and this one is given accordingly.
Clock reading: {"hour": 12, "minute": 44}
